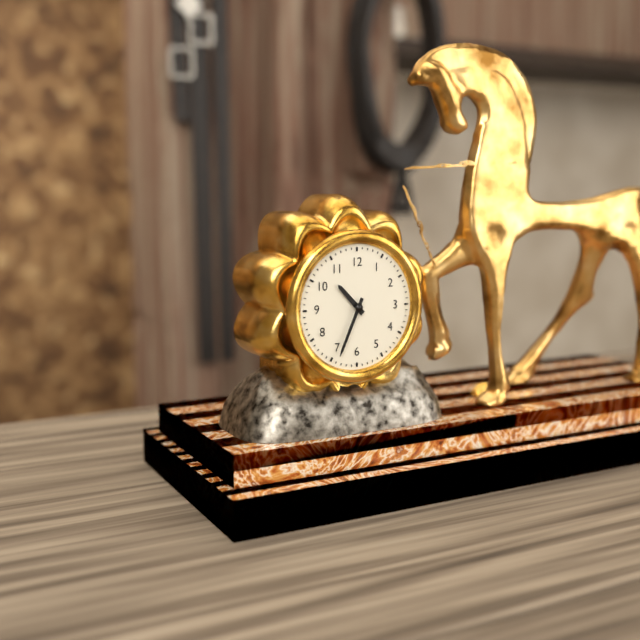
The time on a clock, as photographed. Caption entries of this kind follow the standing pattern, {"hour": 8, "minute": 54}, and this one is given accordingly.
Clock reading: {"hour": 10, "minute": 34}
